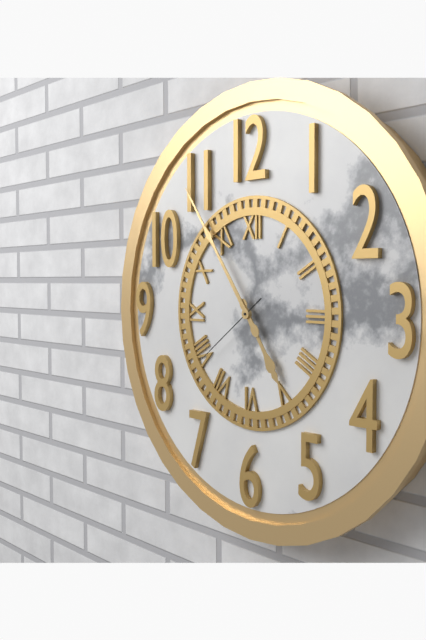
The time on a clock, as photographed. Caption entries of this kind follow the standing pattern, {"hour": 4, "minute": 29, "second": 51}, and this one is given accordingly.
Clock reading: {"hour": 4, "minute": 54, "second": 39}
